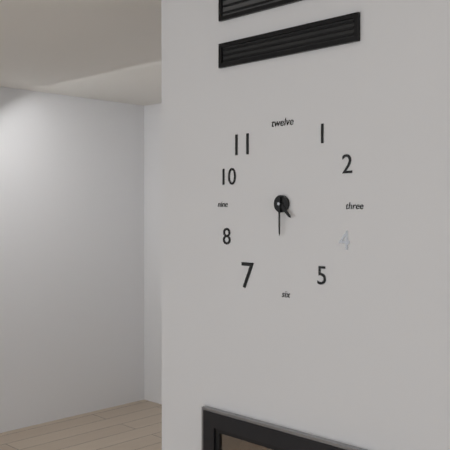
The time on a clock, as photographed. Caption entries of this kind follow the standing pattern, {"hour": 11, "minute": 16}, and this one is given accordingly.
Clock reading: {"hour": 4, "minute": 30}
